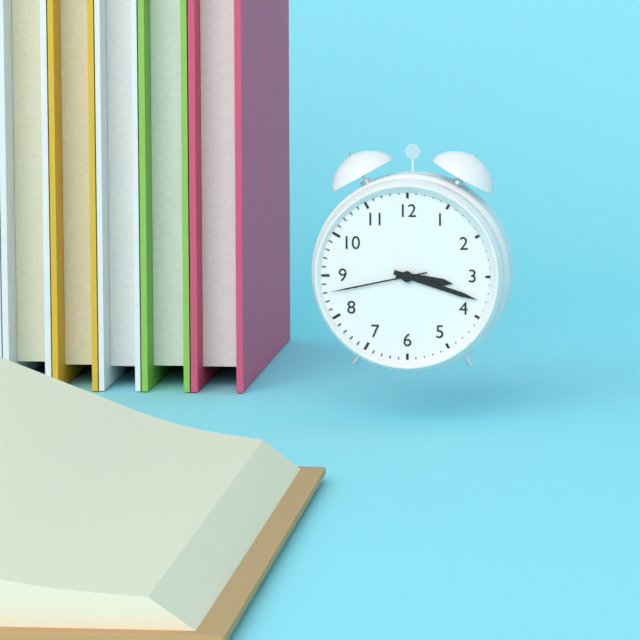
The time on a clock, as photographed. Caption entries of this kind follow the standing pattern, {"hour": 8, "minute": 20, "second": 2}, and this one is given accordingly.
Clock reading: {"hour": 3, "minute": 18, "second": 43}
